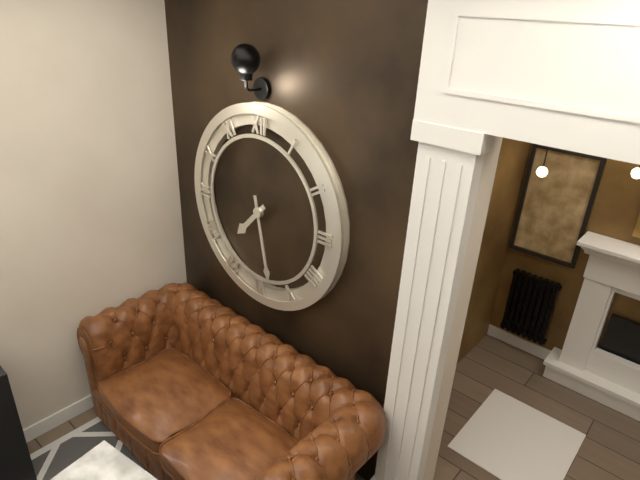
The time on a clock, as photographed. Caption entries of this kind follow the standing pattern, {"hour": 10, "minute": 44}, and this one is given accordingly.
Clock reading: {"hour": 7, "minute": 28}
